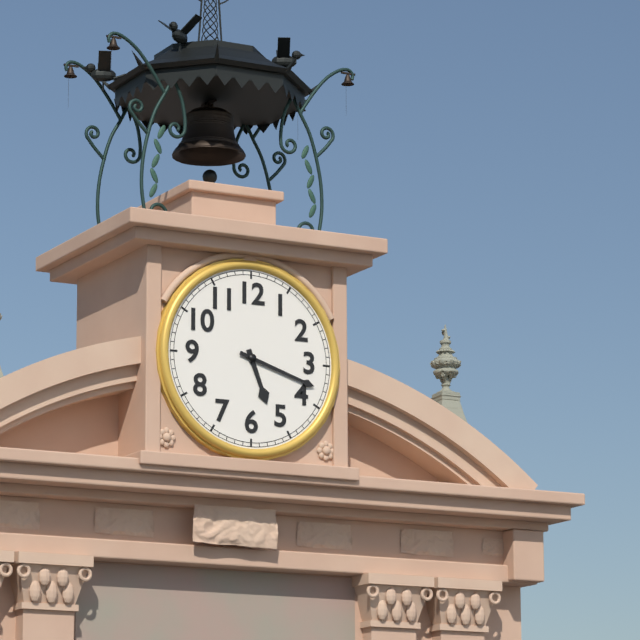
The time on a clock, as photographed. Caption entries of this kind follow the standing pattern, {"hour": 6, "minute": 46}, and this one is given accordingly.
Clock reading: {"hour": 5, "minute": 18}
